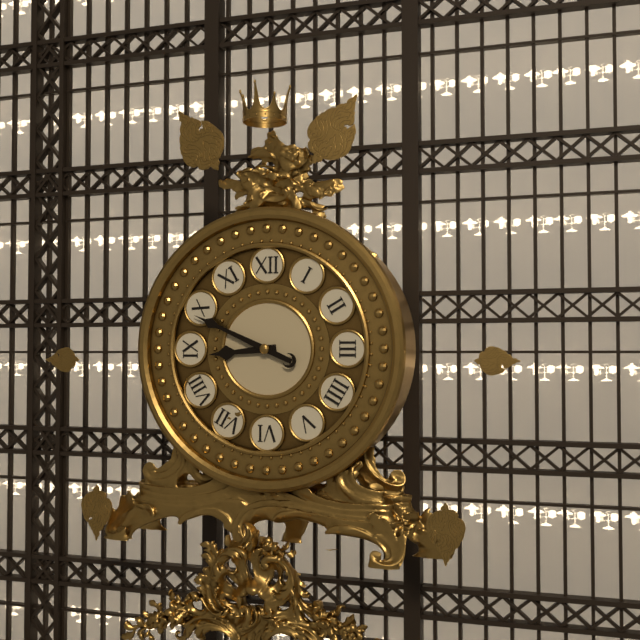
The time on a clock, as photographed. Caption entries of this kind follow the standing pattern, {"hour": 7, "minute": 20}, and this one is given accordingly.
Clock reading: {"hour": 8, "minute": 49}
